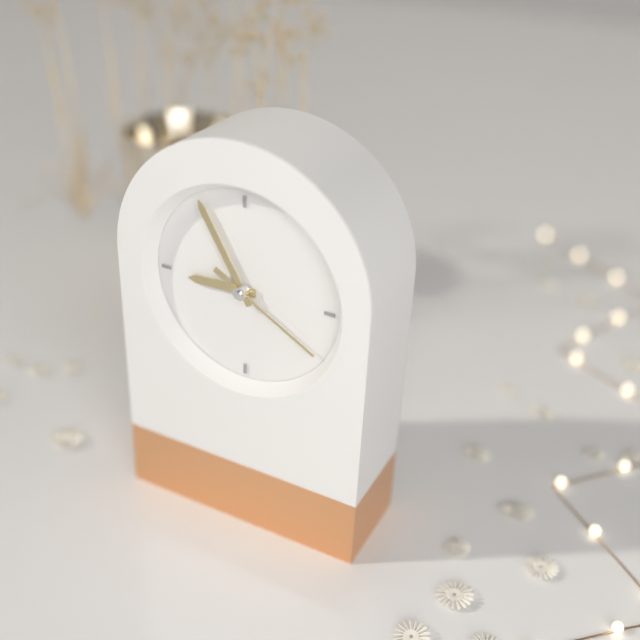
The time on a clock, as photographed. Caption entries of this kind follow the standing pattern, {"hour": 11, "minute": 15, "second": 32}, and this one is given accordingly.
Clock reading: {"hour": 8, "minute": 55, "second": 20}
